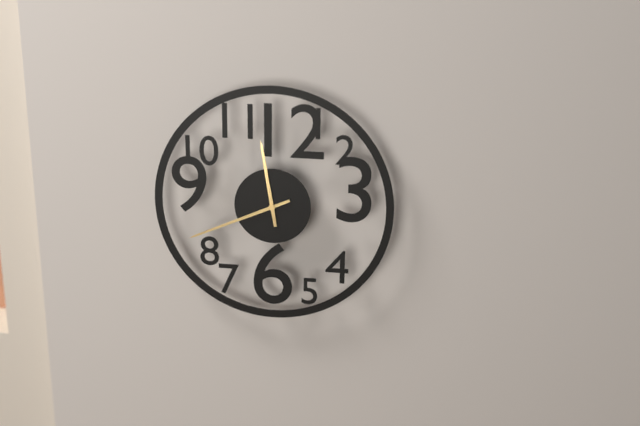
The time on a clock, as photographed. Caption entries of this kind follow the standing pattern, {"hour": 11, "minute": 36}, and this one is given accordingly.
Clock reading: {"hour": 11, "minute": 41}
